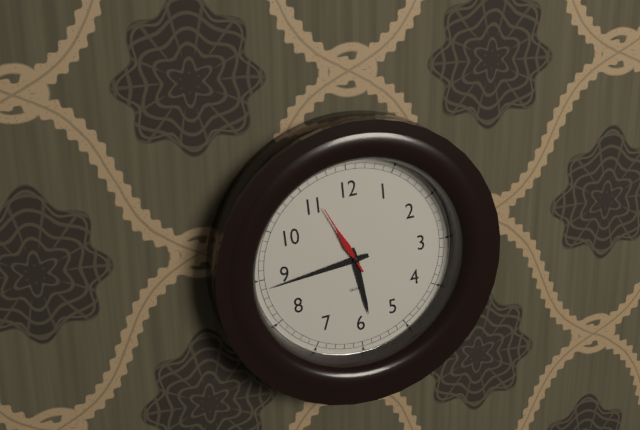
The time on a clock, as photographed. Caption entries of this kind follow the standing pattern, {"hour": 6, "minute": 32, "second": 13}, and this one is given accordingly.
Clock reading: {"hour": 5, "minute": 44, "second": 56}
